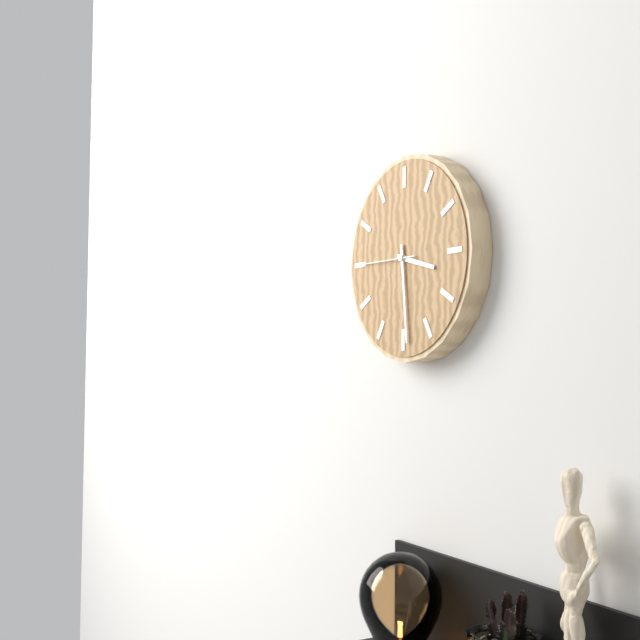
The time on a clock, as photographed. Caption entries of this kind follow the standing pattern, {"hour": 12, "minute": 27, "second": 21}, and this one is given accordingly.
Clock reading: {"hour": 3, "minute": 29, "second": 45}
